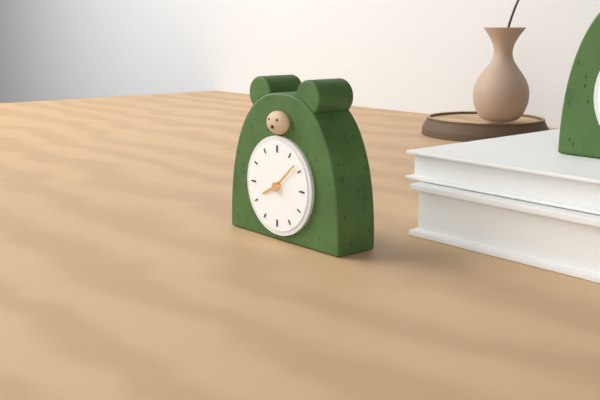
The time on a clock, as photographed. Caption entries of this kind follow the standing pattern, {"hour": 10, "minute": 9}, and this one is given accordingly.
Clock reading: {"hour": 8, "minute": 8}
